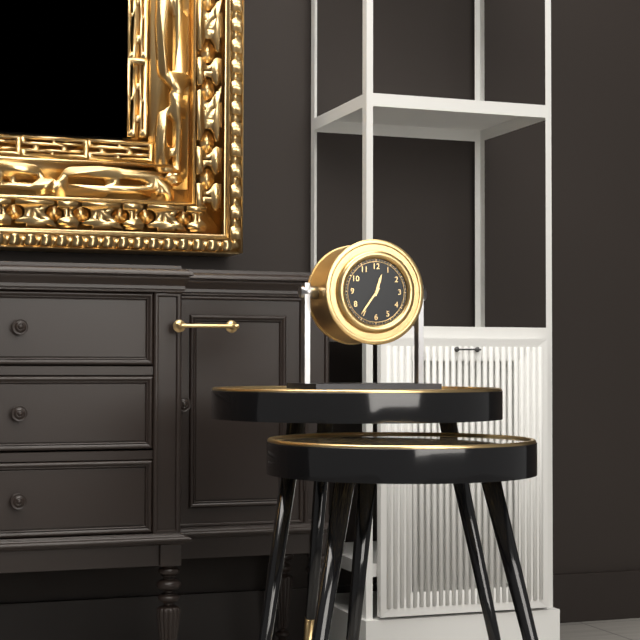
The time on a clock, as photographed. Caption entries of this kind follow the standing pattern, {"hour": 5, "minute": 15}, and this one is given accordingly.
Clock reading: {"hour": 12, "minute": 36}
